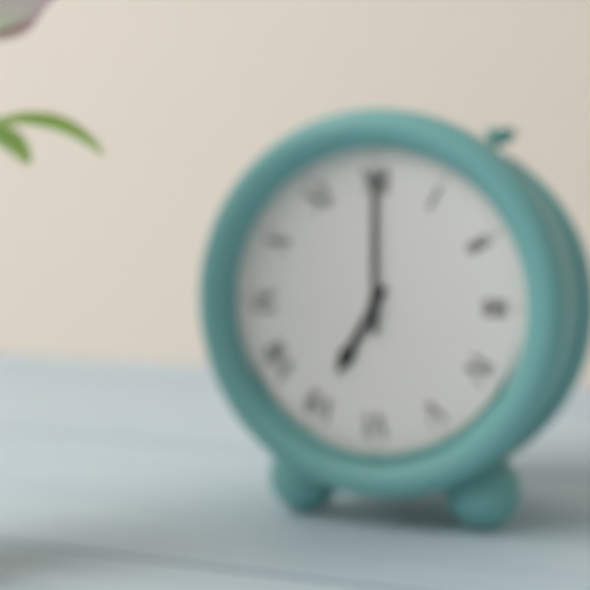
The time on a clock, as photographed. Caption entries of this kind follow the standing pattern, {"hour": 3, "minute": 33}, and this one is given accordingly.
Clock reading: {"hour": 7, "minute": 0}
